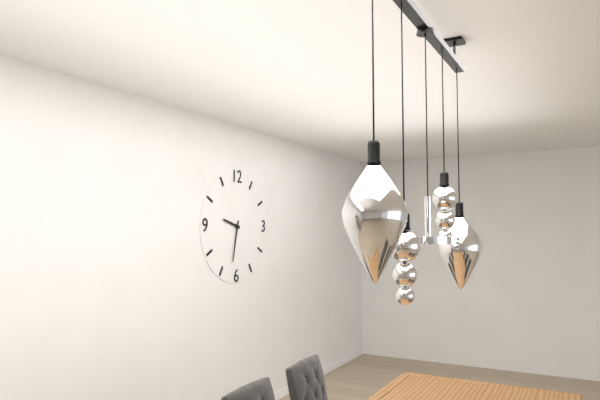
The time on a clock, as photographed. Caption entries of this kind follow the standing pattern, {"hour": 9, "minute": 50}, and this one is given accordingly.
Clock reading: {"hour": 9, "minute": 32}
